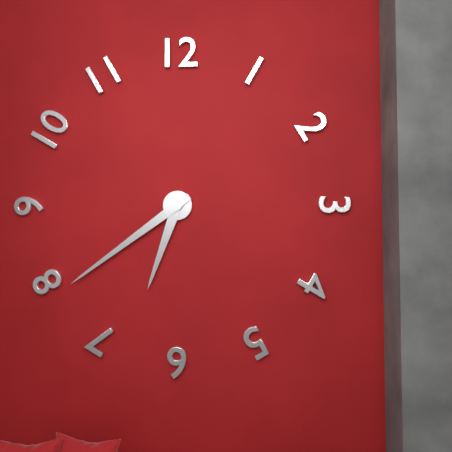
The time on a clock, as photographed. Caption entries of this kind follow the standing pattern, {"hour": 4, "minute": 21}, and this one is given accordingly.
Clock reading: {"hour": 6, "minute": 39}
